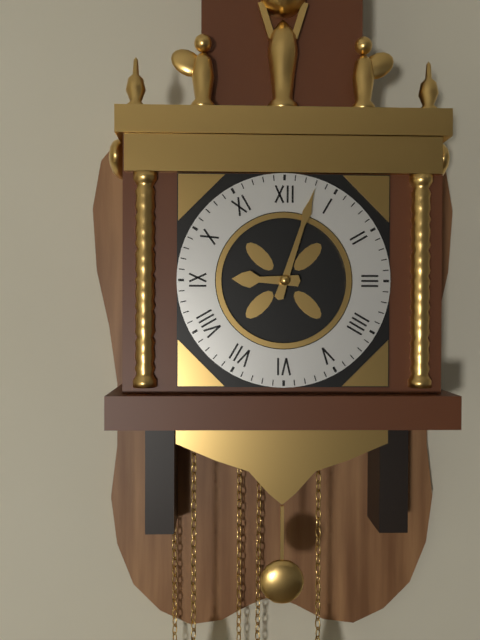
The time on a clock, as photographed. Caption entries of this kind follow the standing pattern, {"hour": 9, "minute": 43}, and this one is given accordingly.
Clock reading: {"hour": 9, "minute": 3}
